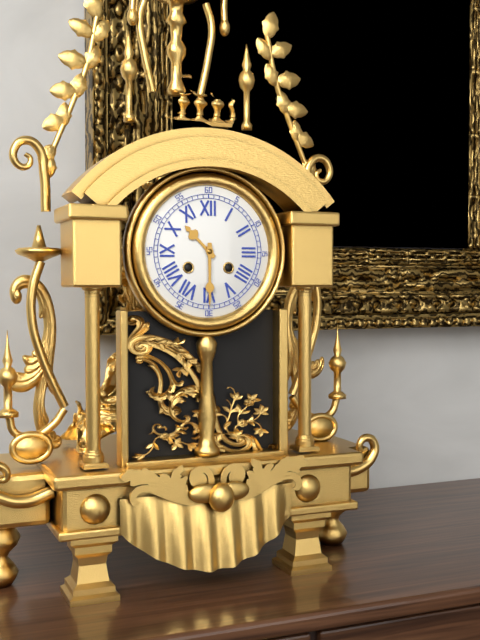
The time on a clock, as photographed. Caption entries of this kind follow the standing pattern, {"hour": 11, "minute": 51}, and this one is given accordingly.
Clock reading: {"hour": 10, "minute": 30}
